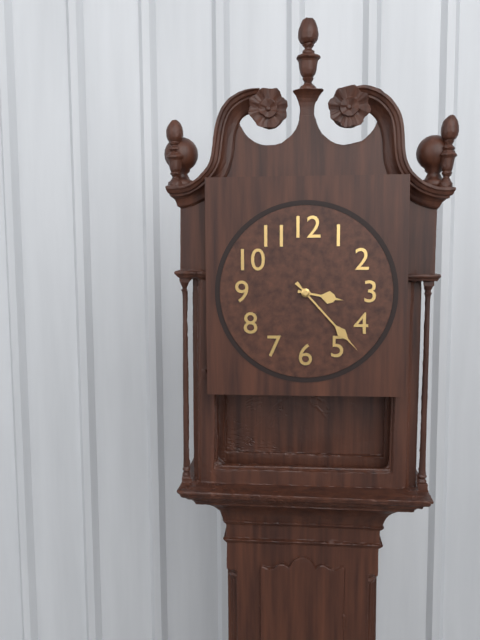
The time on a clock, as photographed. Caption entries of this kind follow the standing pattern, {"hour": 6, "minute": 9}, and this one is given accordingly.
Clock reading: {"hour": 3, "minute": 23}
